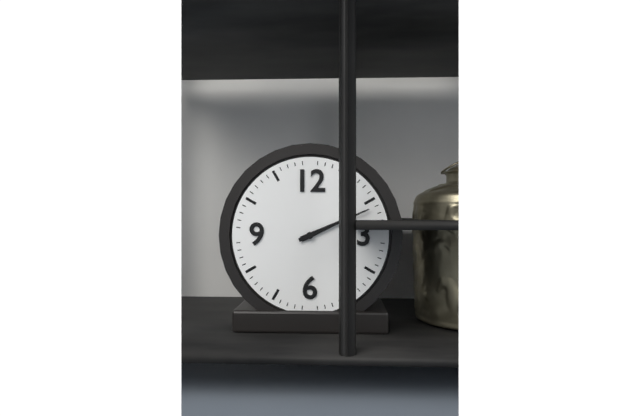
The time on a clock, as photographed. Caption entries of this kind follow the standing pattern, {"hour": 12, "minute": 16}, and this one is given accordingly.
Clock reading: {"hour": 2, "minute": 11}
